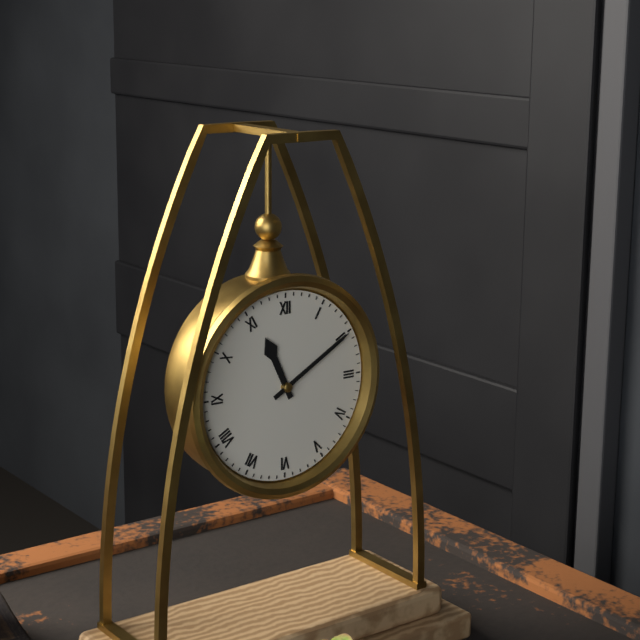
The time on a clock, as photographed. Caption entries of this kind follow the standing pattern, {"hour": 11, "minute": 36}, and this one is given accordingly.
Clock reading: {"hour": 11, "minute": 10}
